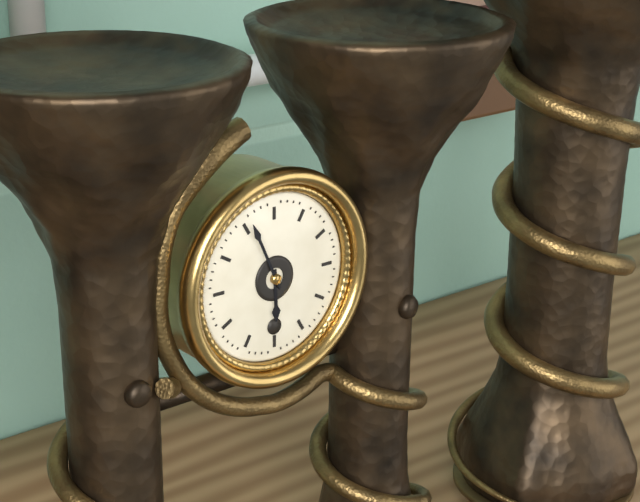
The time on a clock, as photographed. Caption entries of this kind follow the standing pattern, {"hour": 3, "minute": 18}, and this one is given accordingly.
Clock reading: {"hour": 5, "minute": 56}
